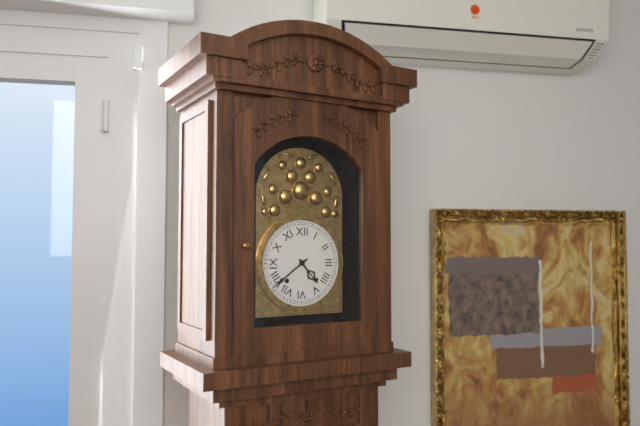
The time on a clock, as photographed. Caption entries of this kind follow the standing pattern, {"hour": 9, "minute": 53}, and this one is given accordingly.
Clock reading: {"hour": 4, "minute": 39}
